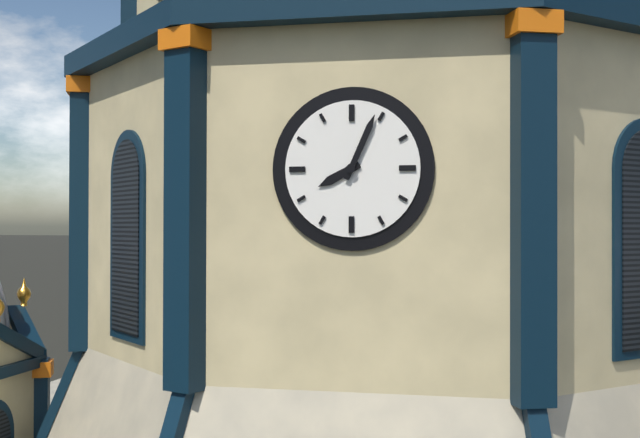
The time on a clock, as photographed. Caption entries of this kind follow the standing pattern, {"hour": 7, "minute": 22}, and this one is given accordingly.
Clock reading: {"hour": 8, "minute": 4}
